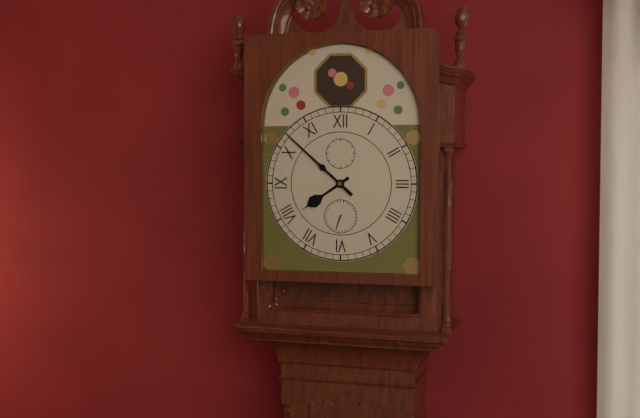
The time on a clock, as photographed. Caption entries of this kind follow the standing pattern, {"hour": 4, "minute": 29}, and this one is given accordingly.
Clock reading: {"hour": 7, "minute": 52}
